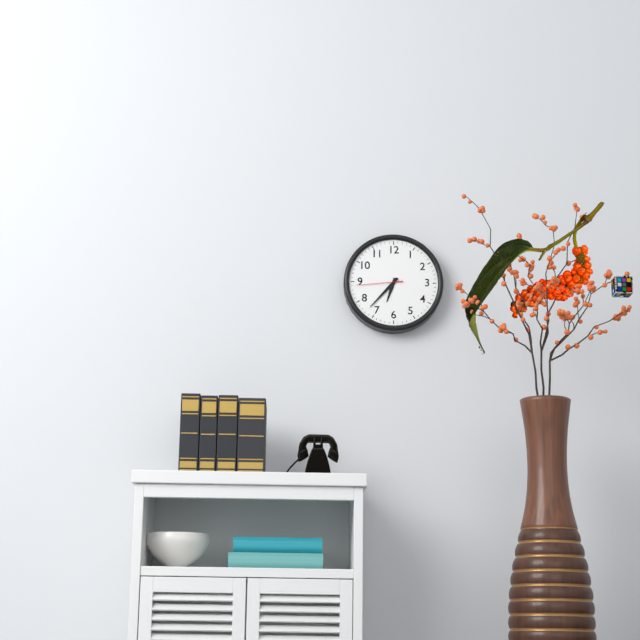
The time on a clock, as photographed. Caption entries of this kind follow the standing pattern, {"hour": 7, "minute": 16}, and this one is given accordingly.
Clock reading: {"hour": 6, "minute": 37}
